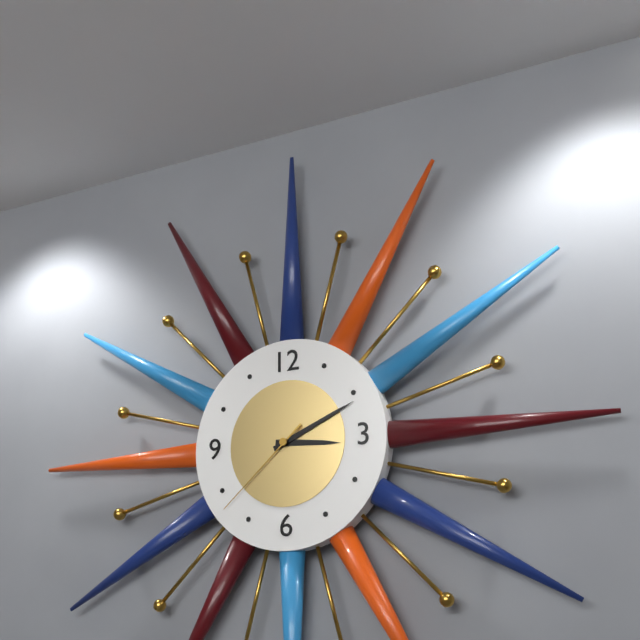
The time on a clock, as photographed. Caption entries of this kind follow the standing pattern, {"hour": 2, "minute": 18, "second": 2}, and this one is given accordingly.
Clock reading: {"hour": 3, "minute": 11, "second": 38}
